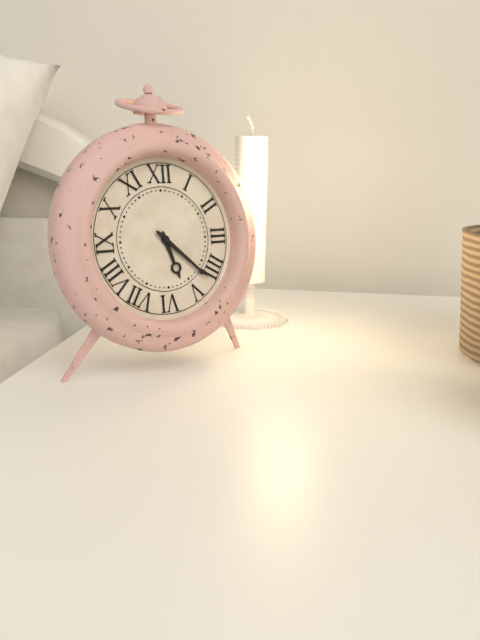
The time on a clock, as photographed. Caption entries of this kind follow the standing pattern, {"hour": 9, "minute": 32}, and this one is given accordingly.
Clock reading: {"hour": 5, "minute": 22}
